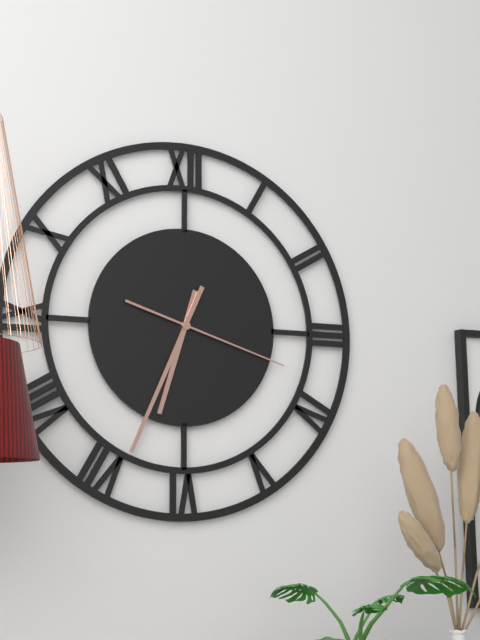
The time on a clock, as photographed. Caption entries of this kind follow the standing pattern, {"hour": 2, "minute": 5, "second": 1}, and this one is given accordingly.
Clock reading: {"hour": 6, "minute": 34, "second": 18}
